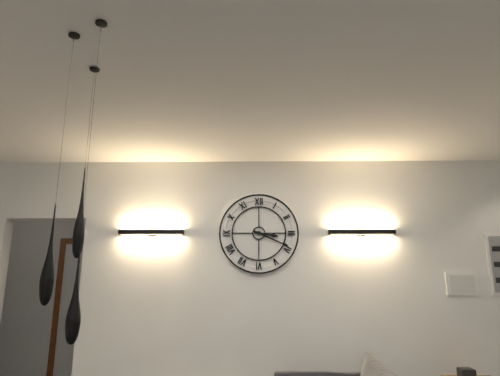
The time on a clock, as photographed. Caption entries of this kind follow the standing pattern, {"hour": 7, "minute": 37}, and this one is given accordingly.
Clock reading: {"hour": 3, "minute": 19}
